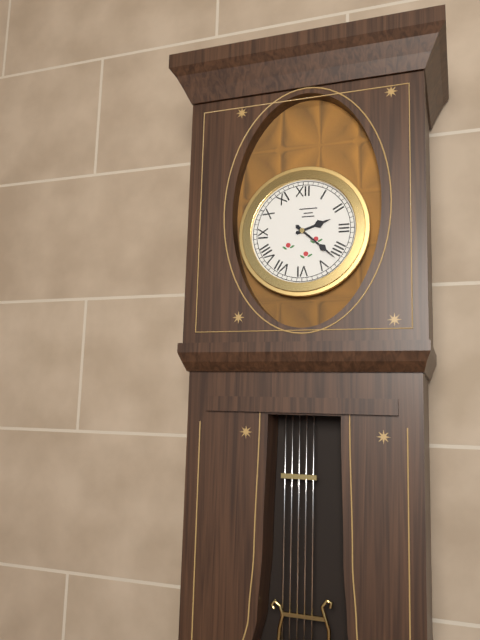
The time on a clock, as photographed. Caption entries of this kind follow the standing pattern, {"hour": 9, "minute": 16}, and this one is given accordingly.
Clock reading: {"hour": 2, "minute": 22}
